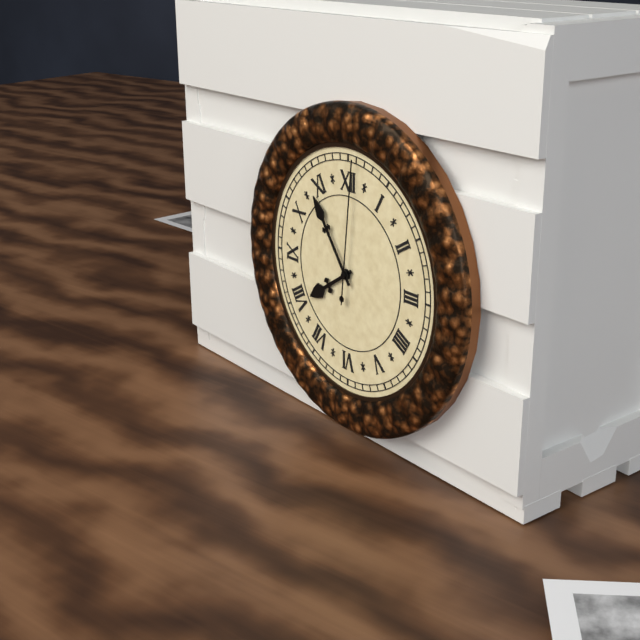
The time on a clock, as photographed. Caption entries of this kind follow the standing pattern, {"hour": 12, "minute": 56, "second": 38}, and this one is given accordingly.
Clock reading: {"hour": 7, "minute": 54, "second": 1}
